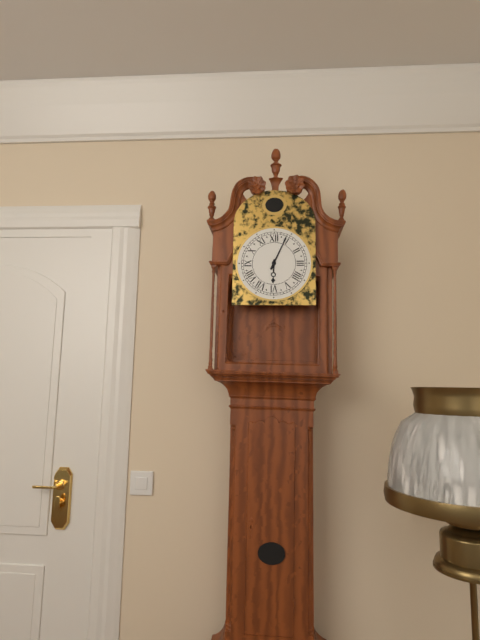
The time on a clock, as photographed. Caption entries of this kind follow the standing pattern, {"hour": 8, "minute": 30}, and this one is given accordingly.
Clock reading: {"hour": 6, "minute": 4}
